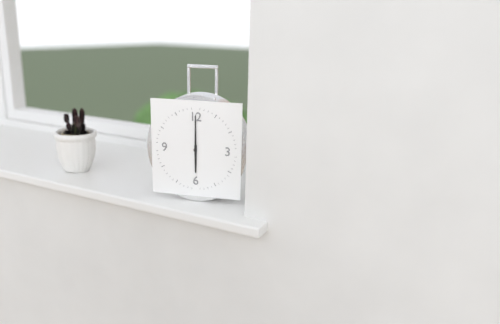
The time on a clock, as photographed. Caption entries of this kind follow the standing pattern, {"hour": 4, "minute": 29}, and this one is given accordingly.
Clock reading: {"hour": 6, "minute": 0}
